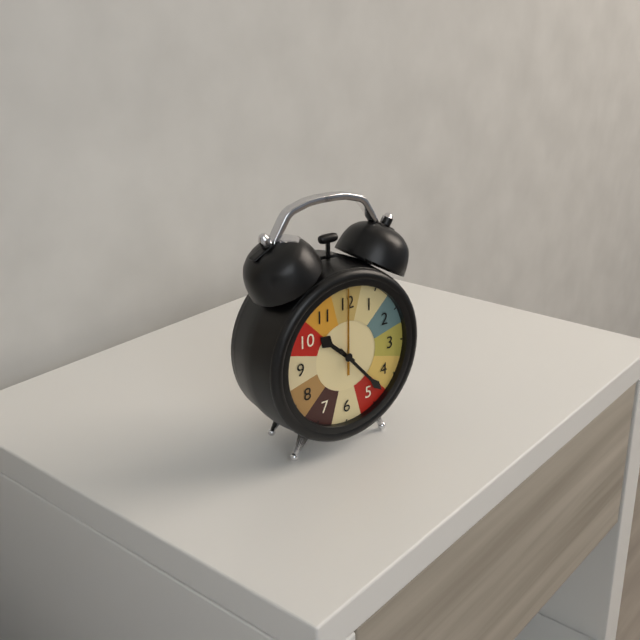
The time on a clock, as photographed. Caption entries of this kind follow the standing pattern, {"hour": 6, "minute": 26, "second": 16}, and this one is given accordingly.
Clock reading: {"hour": 10, "minute": 23, "second": 0}
